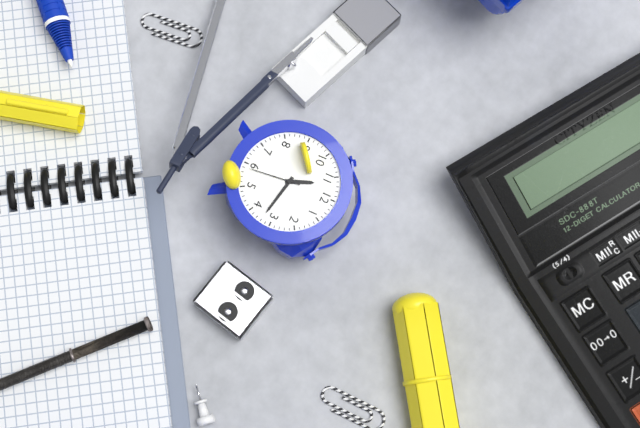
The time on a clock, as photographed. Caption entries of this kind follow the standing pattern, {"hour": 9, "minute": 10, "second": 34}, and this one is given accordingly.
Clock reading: {"hour": 11, "minute": 17, "second": 29}
